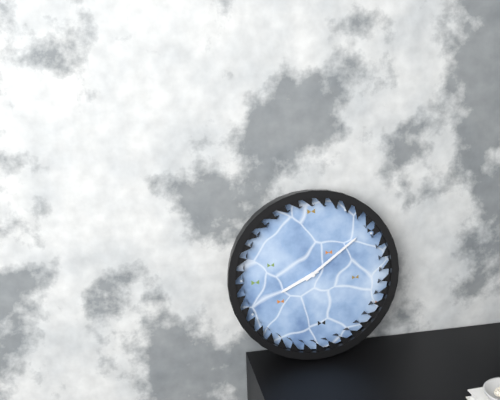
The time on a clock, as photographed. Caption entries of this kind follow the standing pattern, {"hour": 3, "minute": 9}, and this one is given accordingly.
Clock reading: {"hour": 8, "minute": 9}
